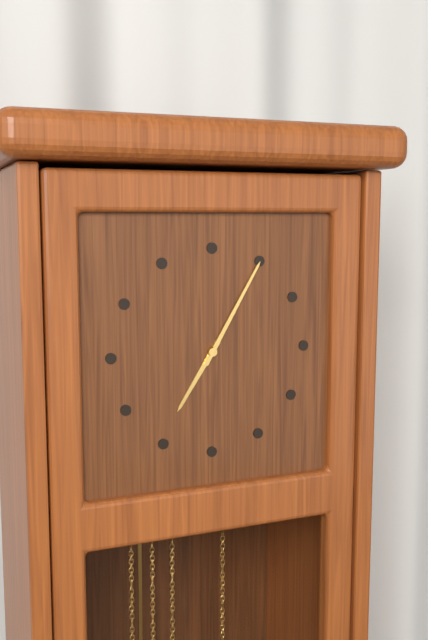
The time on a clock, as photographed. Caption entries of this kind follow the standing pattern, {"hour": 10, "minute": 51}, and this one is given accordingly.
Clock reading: {"hour": 7, "minute": 5}
